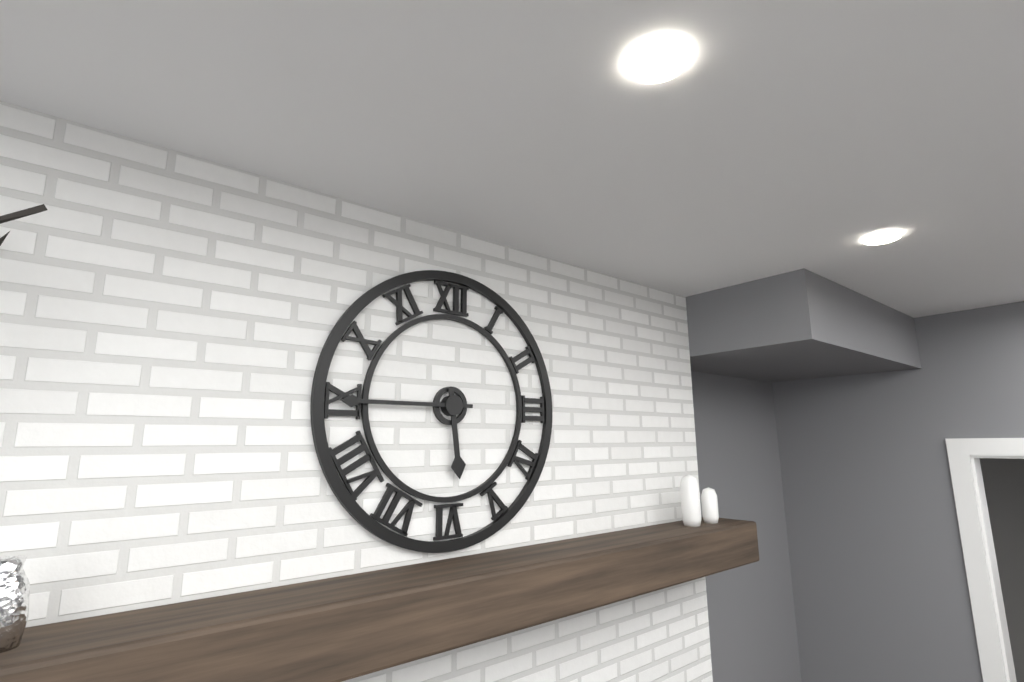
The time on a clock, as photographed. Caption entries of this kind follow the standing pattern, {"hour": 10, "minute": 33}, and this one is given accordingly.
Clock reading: {"hour": 5, "minute": 45}
